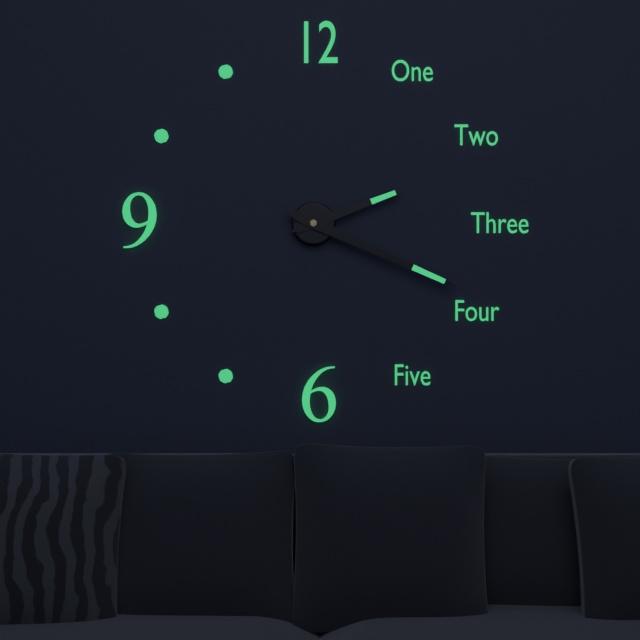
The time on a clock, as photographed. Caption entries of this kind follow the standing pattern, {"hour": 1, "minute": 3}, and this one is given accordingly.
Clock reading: {"hour": 2, "minute": 19}
